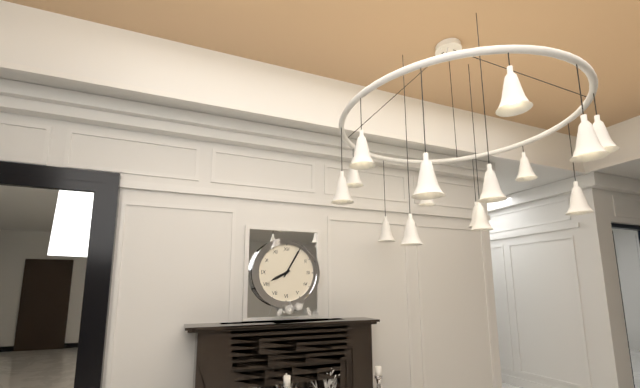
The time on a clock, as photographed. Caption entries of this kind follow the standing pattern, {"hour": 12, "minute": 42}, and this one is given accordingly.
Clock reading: {"hour": 8, "minute": 5}
